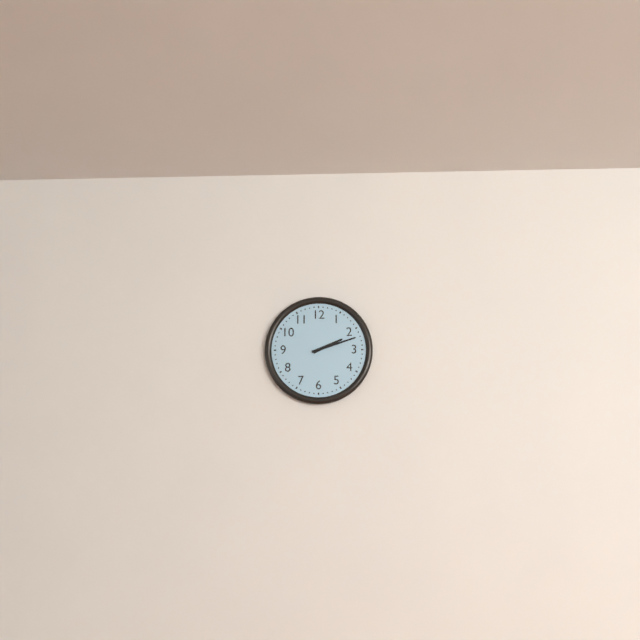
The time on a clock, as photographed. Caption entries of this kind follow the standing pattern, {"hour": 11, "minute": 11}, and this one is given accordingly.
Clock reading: {"hour": 2, "minute": 12}
